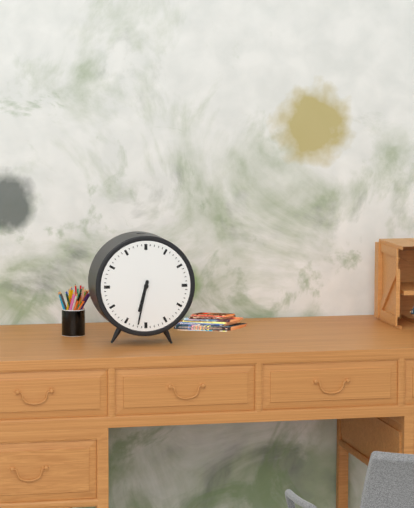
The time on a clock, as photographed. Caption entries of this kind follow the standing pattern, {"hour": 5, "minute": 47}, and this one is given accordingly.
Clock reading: {"hour": 6, "minute": 32}
